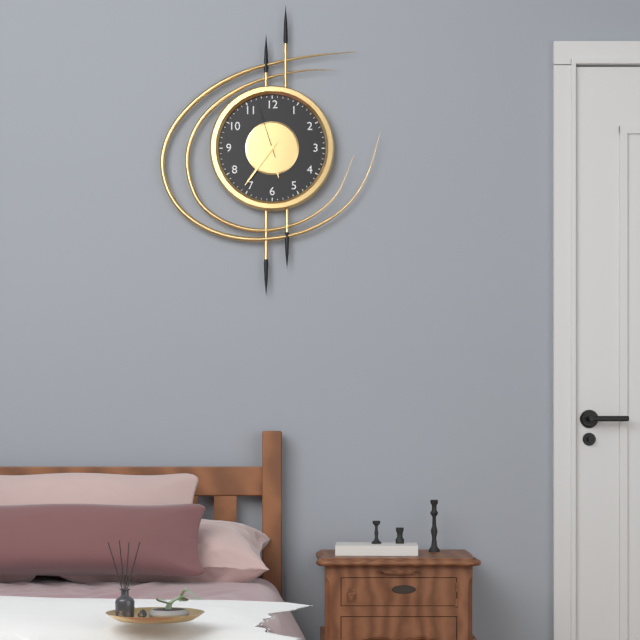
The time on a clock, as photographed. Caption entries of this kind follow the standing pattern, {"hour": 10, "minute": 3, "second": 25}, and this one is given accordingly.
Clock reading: {"hour": 5, "minute": 36, "second": 57}
